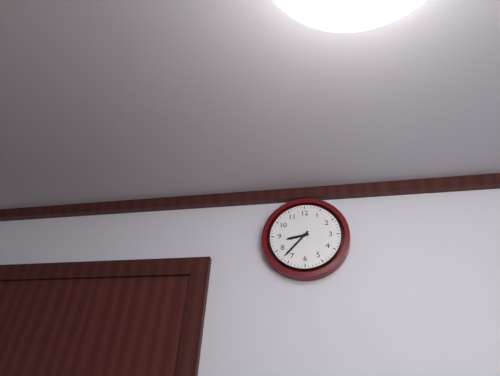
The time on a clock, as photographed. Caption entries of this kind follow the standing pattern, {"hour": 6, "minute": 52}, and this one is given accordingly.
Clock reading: {"hour": 8, "minute": 37}
